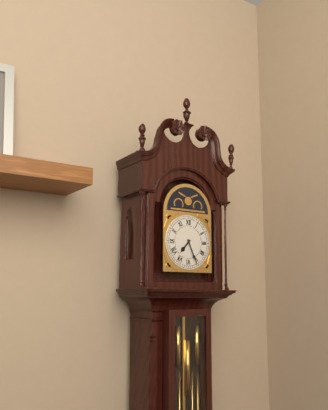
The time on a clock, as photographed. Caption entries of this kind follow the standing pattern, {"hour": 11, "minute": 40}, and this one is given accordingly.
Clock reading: {"hour": 7, "minute": 26}
